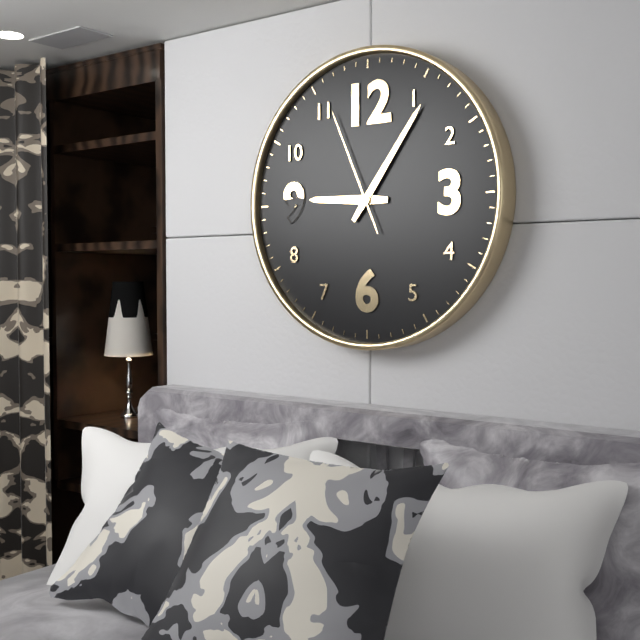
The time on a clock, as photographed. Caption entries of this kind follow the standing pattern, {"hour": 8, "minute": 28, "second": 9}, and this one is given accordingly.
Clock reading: {"hour": 9, "minute": 6, "second": 56}
